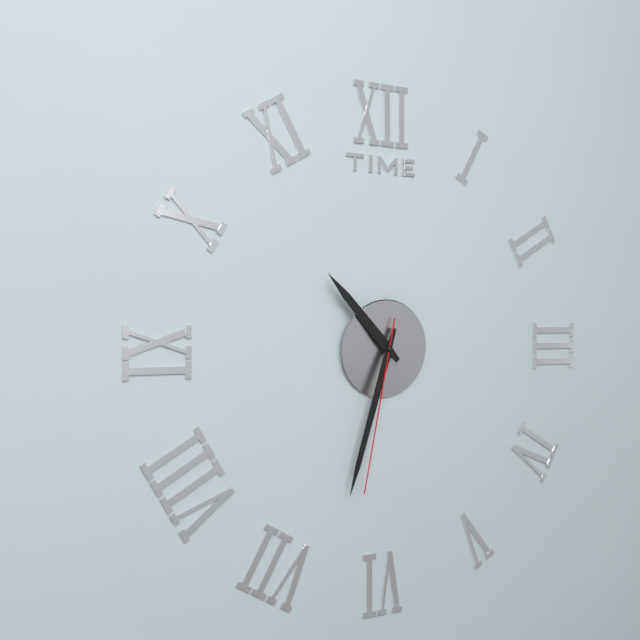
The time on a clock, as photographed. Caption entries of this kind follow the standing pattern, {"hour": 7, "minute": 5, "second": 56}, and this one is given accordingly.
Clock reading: {"hour": 10, "minute": 33, "second": 32}
